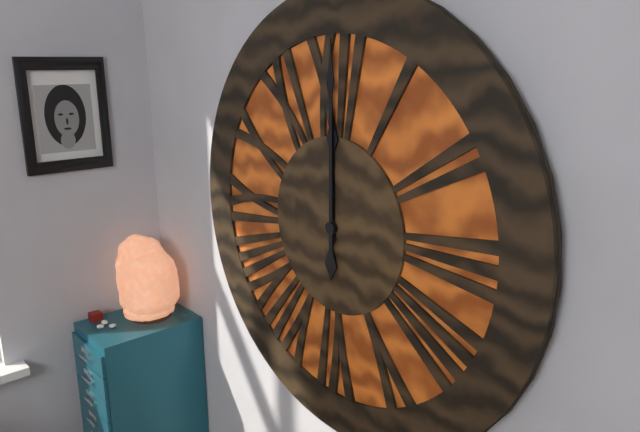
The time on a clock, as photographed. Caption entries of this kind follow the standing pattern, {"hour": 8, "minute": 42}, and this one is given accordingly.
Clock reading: {"hour": 12, "minute": 0}
